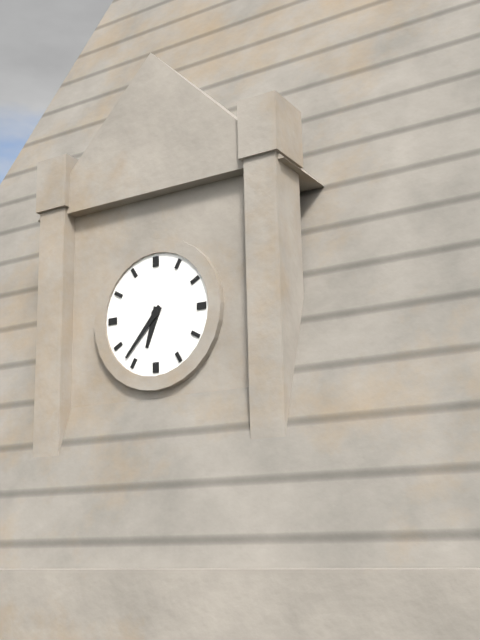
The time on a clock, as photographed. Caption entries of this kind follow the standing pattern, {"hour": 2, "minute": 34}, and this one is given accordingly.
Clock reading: {"hour": 6, "minute": 37}
